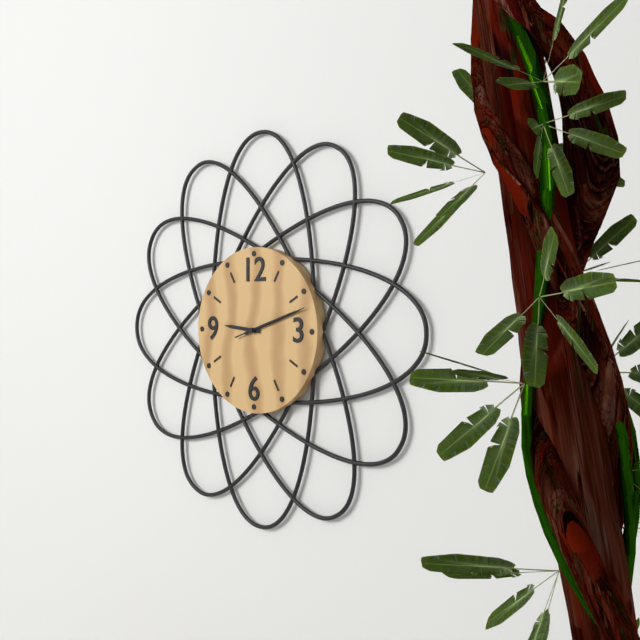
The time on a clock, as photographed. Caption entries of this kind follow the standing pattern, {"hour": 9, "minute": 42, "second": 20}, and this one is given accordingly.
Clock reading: {"hour": 9, "minute": 12, "second": 12}
